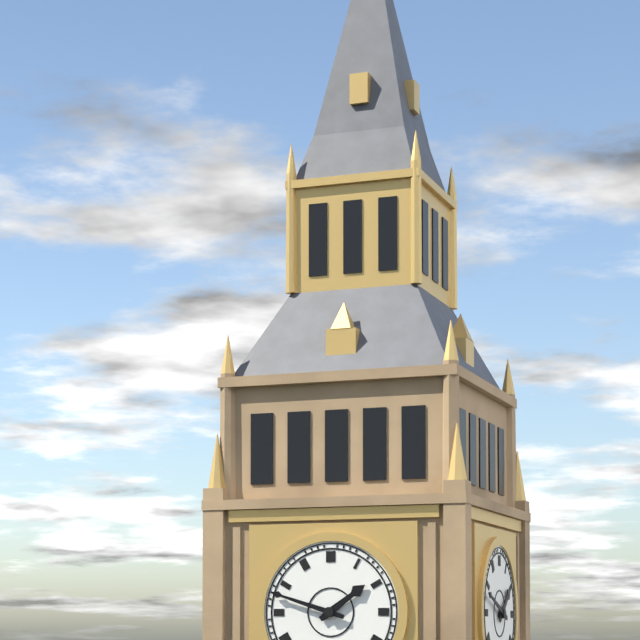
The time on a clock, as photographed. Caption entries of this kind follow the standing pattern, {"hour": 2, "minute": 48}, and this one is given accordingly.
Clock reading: {"hour": 1, "minute": 48}
